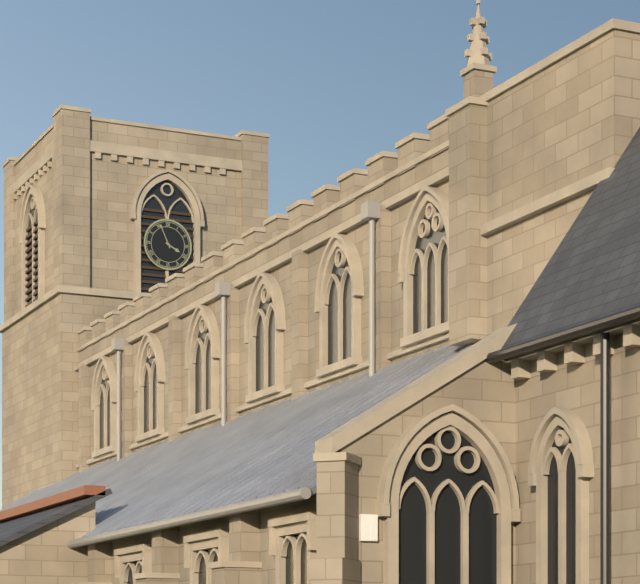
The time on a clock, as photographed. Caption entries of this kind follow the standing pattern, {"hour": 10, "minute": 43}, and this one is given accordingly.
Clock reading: {"hour": 3, "minute": 56}
